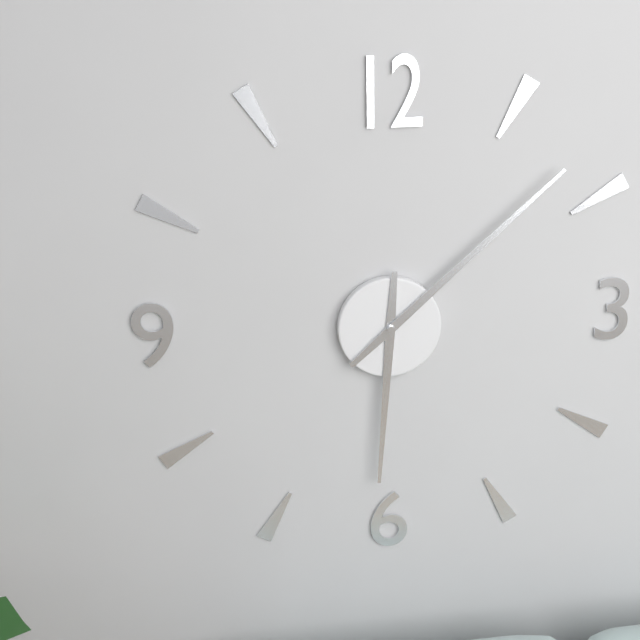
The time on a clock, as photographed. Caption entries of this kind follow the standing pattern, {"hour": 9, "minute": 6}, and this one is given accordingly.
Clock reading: {"hour": 6, "minute": 8}
